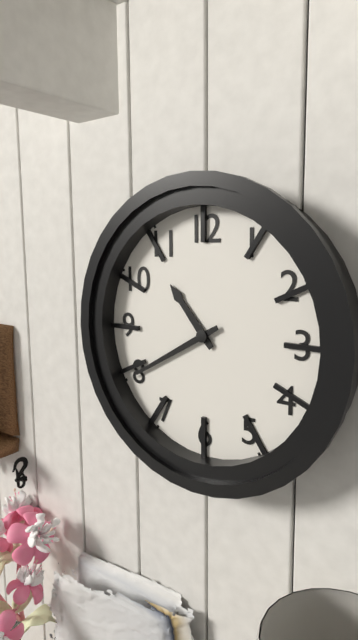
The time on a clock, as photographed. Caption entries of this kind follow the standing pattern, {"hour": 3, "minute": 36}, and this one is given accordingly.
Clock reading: {"hour": 10, "minute": 40}
